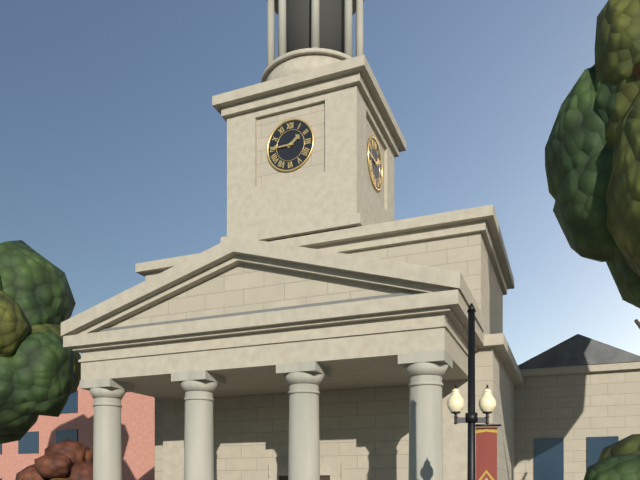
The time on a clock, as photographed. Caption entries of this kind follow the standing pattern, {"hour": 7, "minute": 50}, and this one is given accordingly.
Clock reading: {"hour": 1, "minute": 45}
